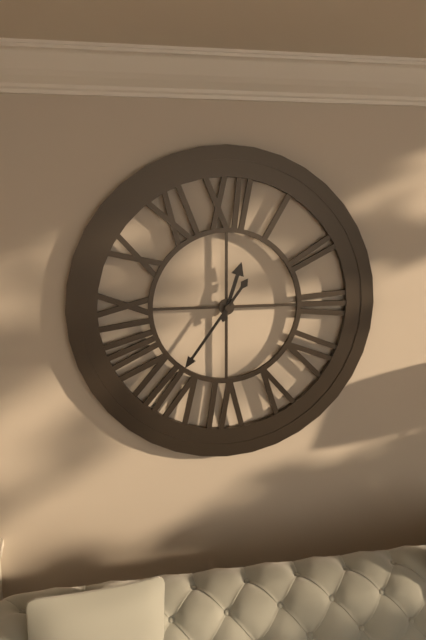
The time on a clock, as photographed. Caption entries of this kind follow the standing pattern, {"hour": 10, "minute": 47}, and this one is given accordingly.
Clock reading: {"hour": 12, "minute": 36}
